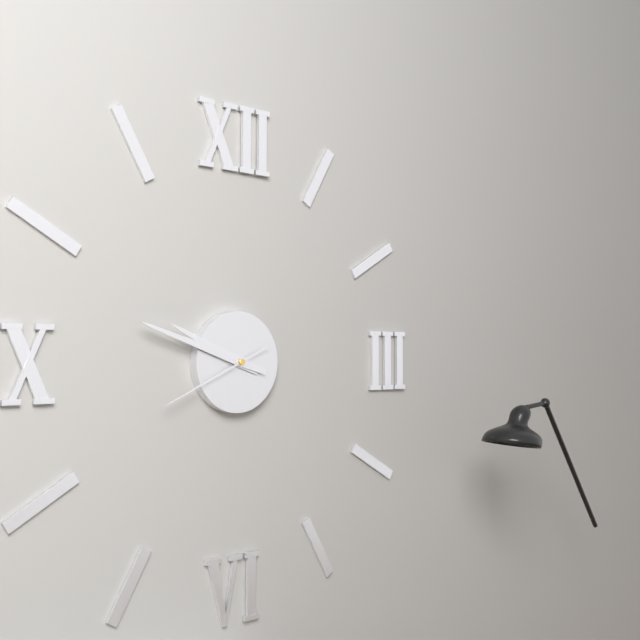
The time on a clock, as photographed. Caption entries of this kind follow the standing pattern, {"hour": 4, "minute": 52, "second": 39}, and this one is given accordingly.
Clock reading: {"hour": 9, "minute": 48, "second": 41}
